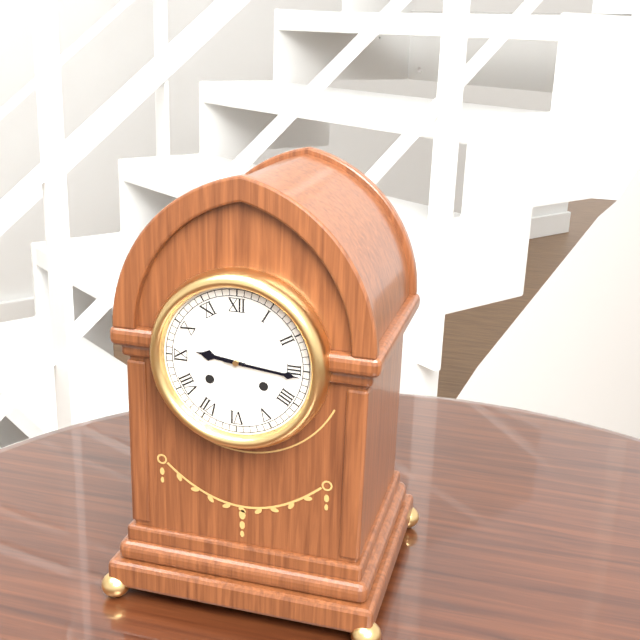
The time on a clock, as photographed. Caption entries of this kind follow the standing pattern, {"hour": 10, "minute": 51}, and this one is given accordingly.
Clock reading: {"hour": 9, "minute": 16}
